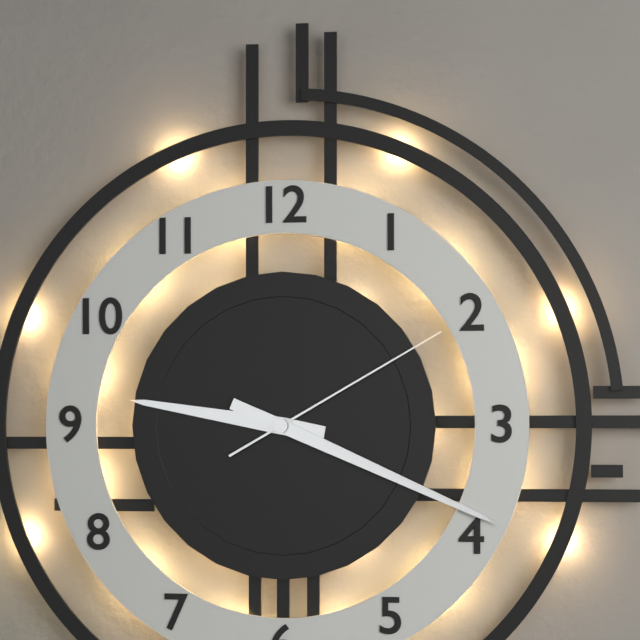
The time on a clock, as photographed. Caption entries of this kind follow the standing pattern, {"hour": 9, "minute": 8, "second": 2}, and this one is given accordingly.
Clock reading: {"hour": 9, "minute": 19, "second": 10}
